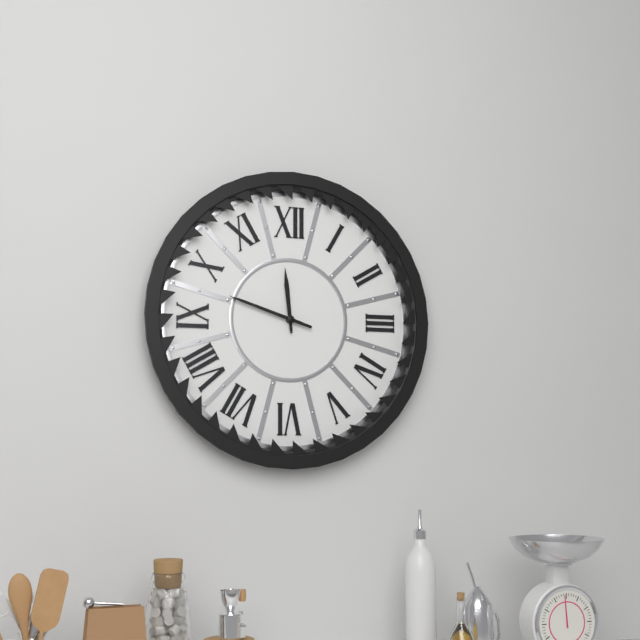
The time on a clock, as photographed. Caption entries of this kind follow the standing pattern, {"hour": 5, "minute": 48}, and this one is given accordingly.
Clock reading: {"hour": 11, "minute": 48}
